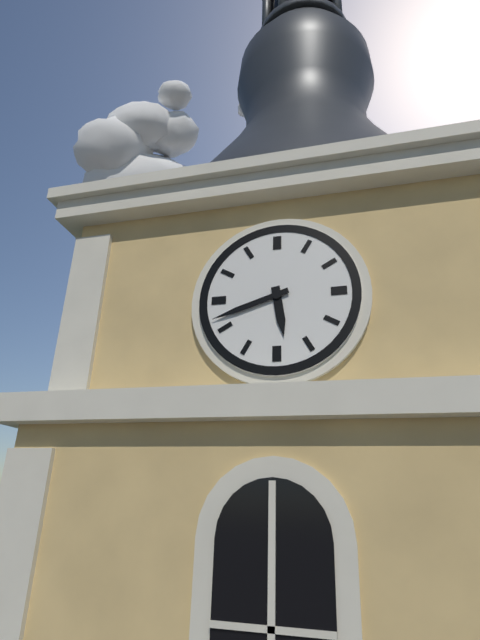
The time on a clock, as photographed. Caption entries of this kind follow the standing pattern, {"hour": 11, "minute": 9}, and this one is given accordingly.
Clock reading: {"hour": 5, "minute": 42}
